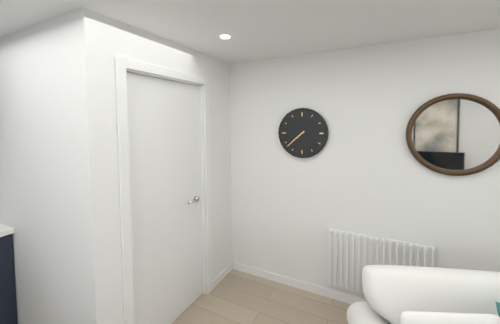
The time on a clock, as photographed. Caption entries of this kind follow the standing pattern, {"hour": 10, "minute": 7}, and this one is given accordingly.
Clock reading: {"hour": 7, "minute": 38}
